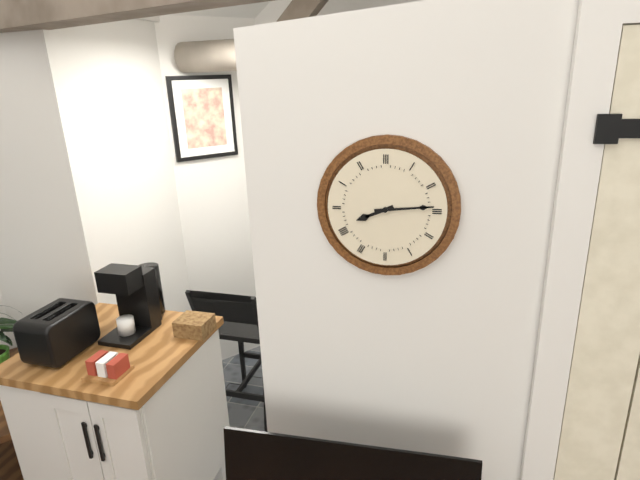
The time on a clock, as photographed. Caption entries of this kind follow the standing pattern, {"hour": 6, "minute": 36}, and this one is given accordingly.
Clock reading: {"hour": 8, "minute": 14}
